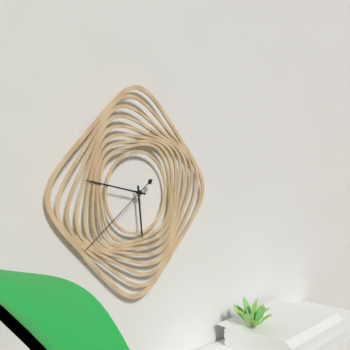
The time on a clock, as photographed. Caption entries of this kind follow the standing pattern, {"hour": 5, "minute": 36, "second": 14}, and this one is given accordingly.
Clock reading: {"hour": 5, "minute": 47, "second": 39}
